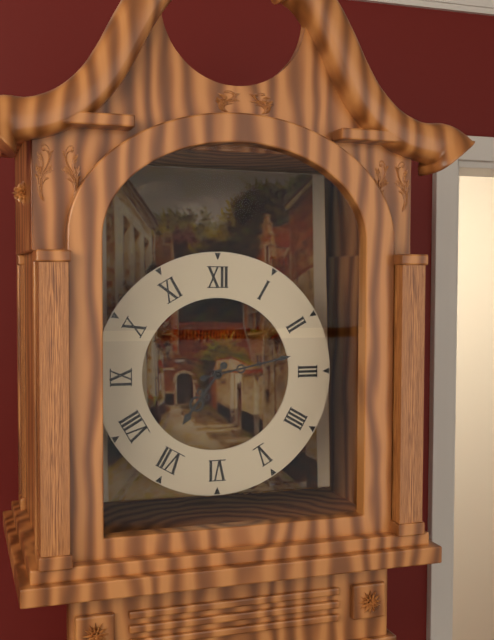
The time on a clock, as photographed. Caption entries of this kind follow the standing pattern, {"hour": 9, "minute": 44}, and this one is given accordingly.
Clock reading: {"hour": 7, "minute": 13}
